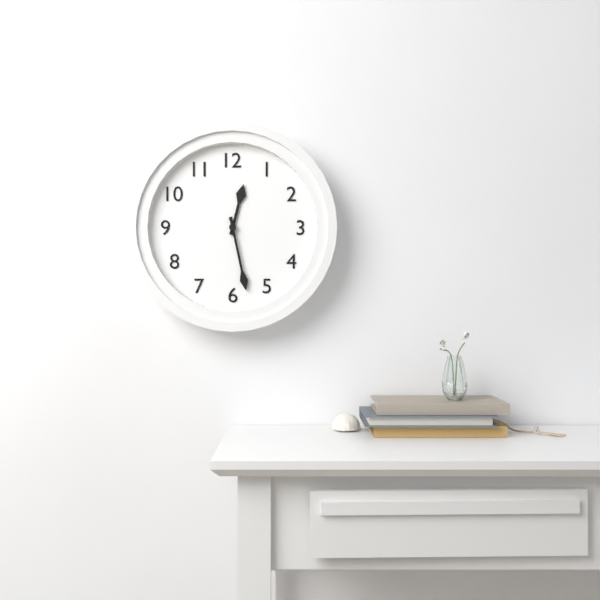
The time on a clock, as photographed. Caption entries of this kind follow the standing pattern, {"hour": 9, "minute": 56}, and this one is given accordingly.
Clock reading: {"hour": 12, "minute": 28}
